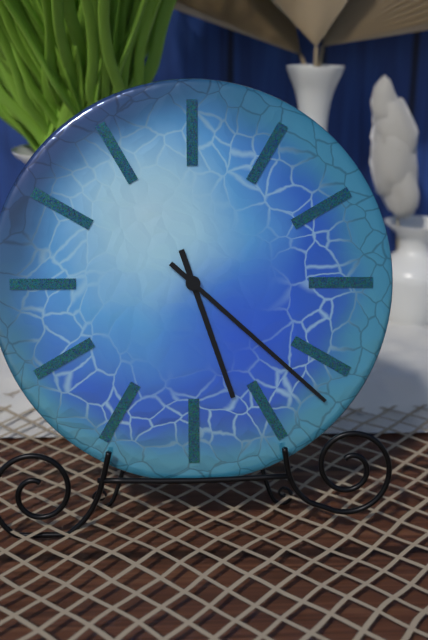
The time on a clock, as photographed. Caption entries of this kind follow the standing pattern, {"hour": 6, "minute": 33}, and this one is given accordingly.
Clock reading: {"hour": 5, "minute": 22}
